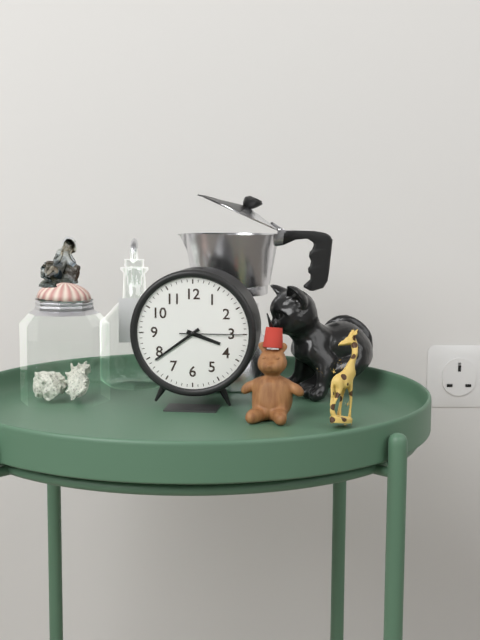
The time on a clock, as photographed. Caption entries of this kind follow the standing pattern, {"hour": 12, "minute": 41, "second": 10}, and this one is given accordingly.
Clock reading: {"hour": 3, "minute": 39, "second": 15}
